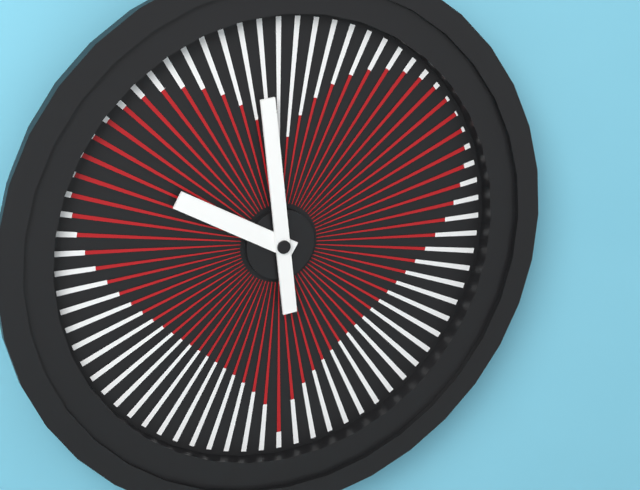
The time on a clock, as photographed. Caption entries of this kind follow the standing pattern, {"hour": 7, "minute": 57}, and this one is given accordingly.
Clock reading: {"hour": 9, "minute": 59}
